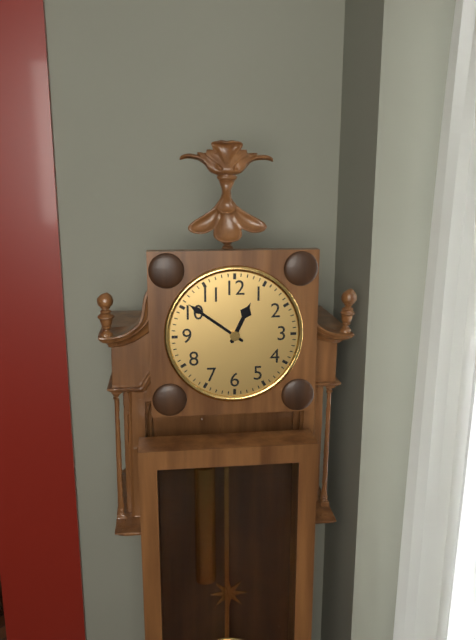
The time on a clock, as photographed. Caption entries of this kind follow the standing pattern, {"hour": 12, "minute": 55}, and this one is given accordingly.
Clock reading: {"hour": 12, "minute": 51}
